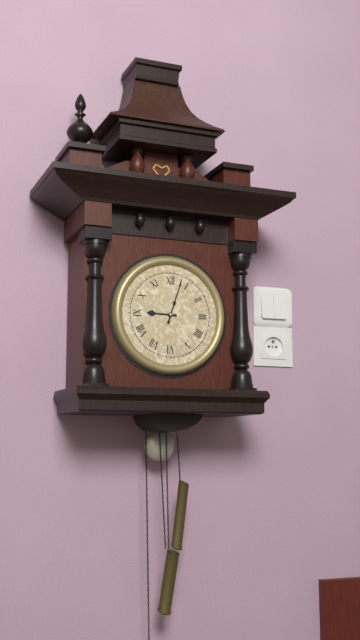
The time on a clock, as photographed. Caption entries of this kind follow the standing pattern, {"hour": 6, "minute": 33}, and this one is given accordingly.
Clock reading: {"hour": 9, "minute": 3}
